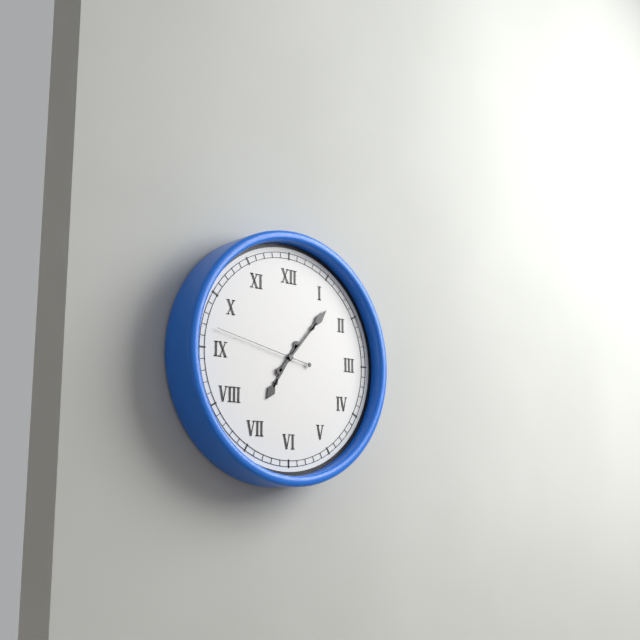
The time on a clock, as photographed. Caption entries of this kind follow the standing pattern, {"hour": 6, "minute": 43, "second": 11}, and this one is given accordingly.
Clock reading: {"hour": 7, "minute": 7, "second": 47}
